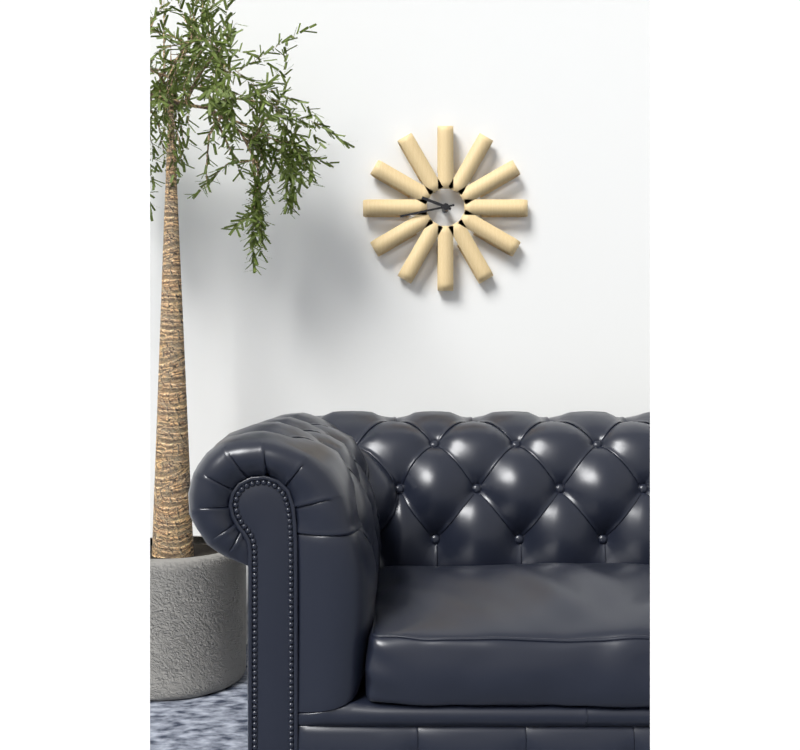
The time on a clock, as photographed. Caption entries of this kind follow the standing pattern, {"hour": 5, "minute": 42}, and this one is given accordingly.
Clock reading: {"hour": 9, "minute": 43}
